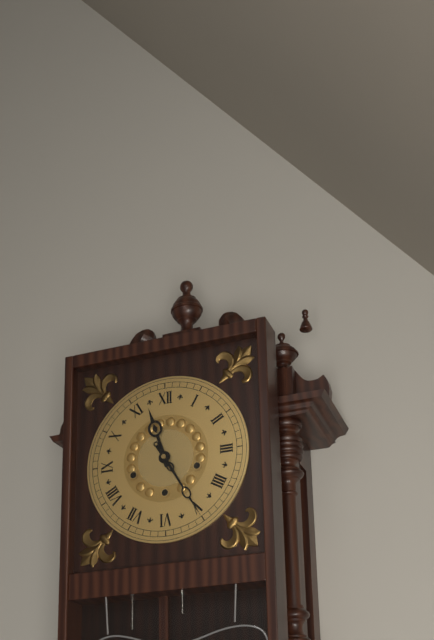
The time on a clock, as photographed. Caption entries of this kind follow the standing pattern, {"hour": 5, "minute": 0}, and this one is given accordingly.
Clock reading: {"hour": 11, "minute": 25}
